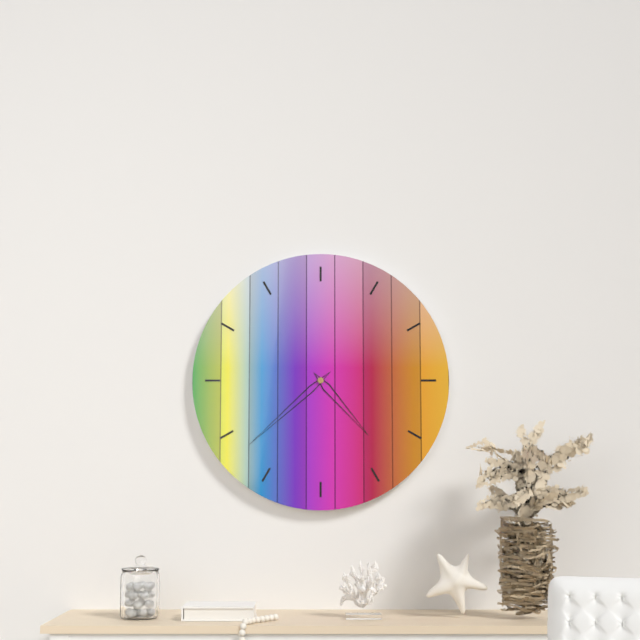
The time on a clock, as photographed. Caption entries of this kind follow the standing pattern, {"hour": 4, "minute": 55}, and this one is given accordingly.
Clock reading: {"hour": 4, "minute": 38}
